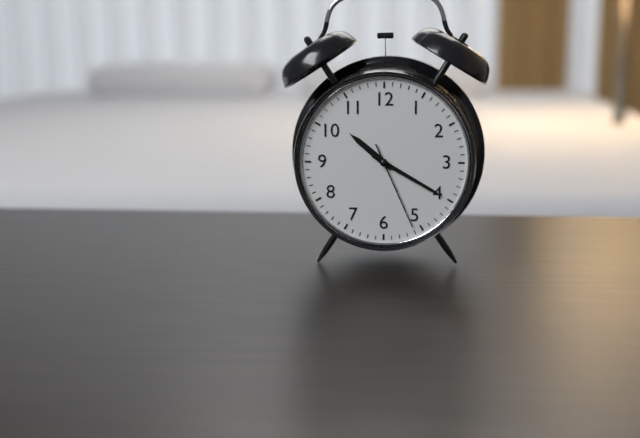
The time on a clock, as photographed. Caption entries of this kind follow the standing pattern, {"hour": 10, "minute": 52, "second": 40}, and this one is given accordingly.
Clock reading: {"hour": 10, "minute": 20, "second": 26}
